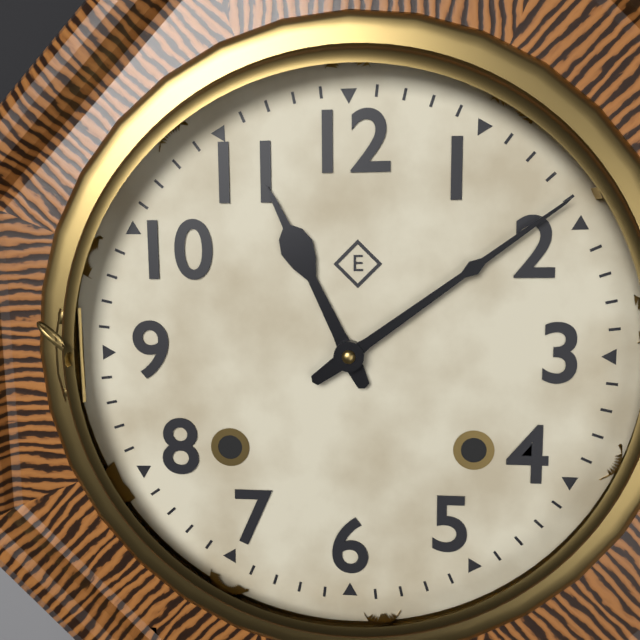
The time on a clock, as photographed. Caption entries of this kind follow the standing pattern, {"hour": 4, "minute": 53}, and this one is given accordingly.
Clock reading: {"hour": 11, "minute": 9}
